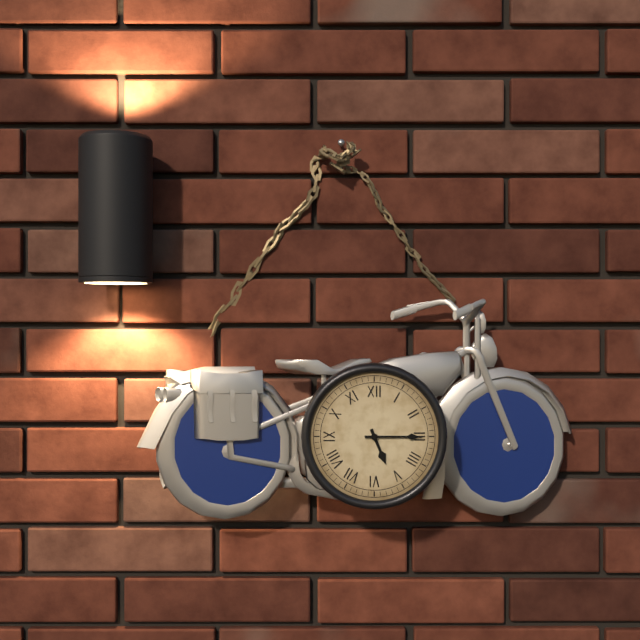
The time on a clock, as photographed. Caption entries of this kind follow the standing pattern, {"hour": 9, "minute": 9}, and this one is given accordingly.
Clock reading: {"hour": 5, "minute": 15}
